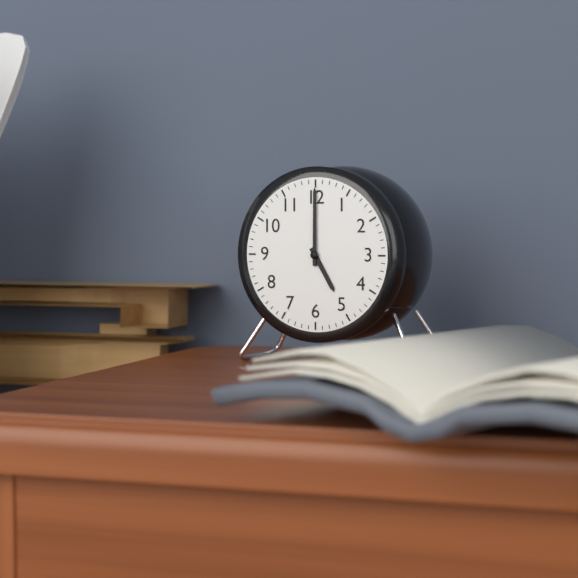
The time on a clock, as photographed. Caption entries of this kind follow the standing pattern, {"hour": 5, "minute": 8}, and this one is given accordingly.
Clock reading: {"hour": 5, "minute": 0}
